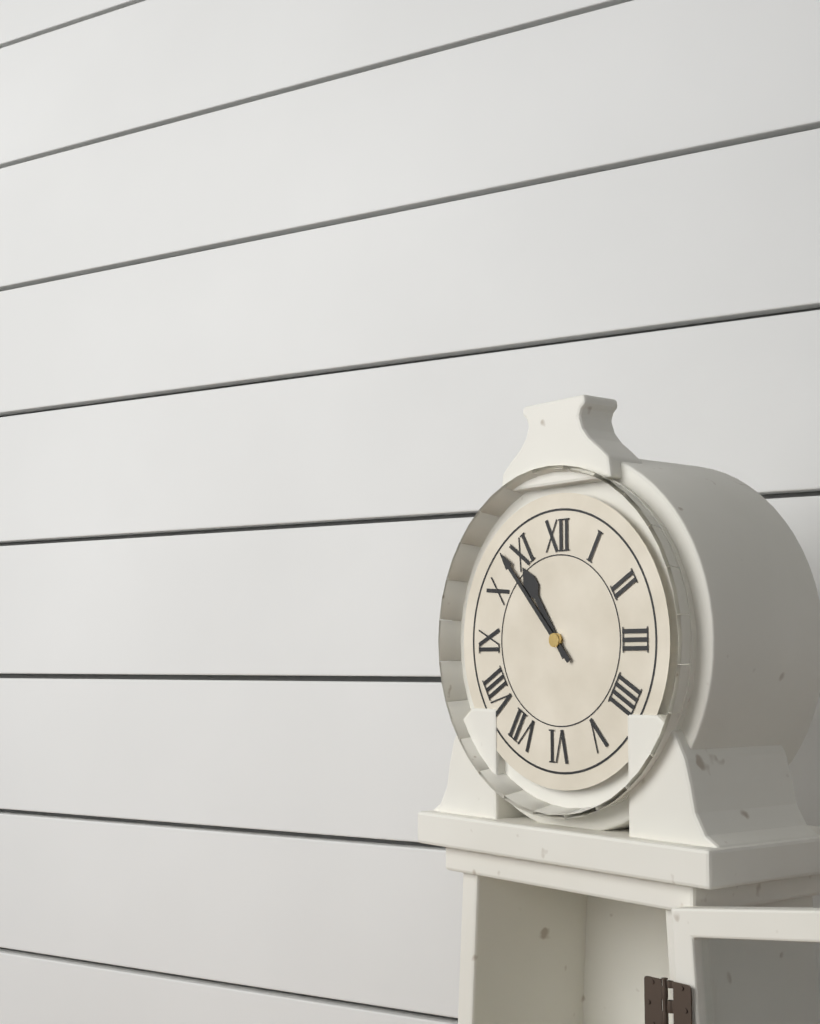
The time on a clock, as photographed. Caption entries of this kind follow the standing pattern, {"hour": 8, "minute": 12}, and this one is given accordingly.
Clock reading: {"hour": 10, "minute": 53}
